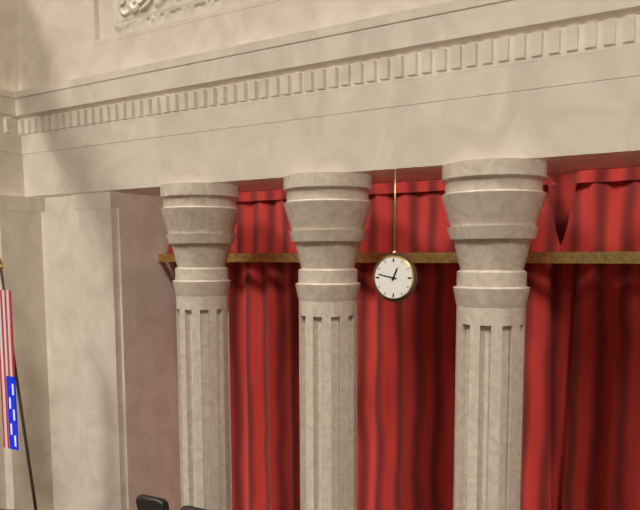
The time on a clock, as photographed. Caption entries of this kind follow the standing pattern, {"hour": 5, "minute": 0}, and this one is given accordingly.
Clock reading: {"hour": 12, "minute": 47}
